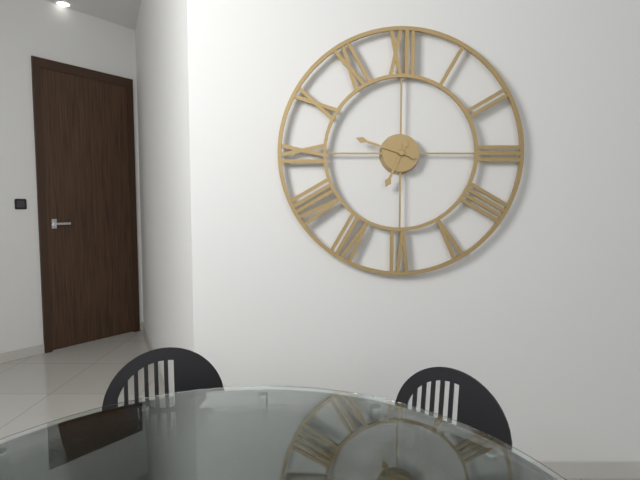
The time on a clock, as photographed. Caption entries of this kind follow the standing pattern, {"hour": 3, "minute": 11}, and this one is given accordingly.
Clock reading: {"hour": 6, "minute": 48}
